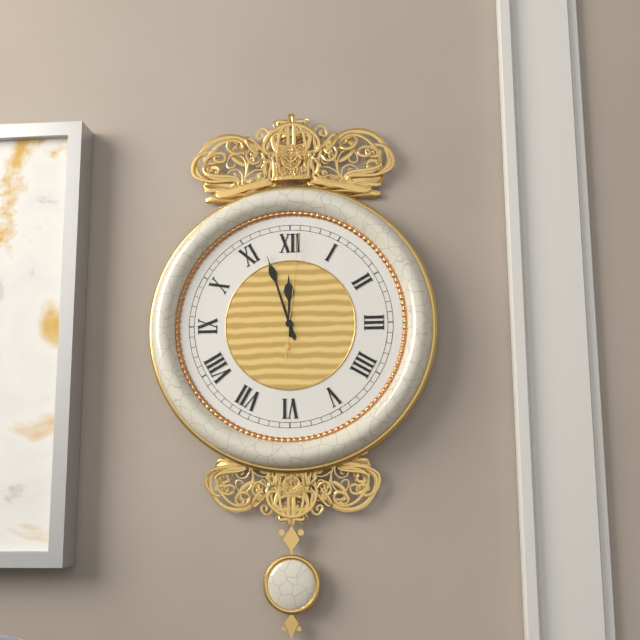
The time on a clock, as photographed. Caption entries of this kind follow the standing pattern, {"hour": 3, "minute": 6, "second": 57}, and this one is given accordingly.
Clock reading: {"hour": 11, "minute": 57, "second": 1}
